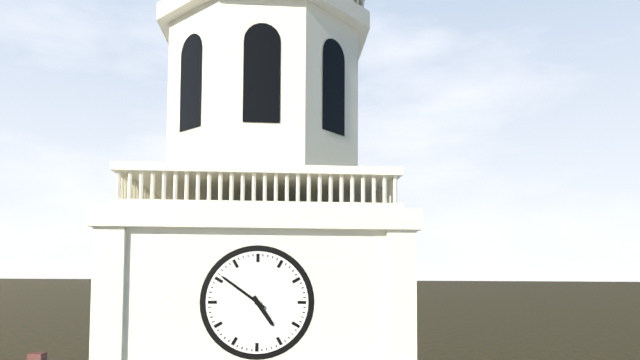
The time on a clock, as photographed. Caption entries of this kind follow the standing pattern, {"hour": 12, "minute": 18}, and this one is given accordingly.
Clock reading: {"hour": 4, "minute": 51}
